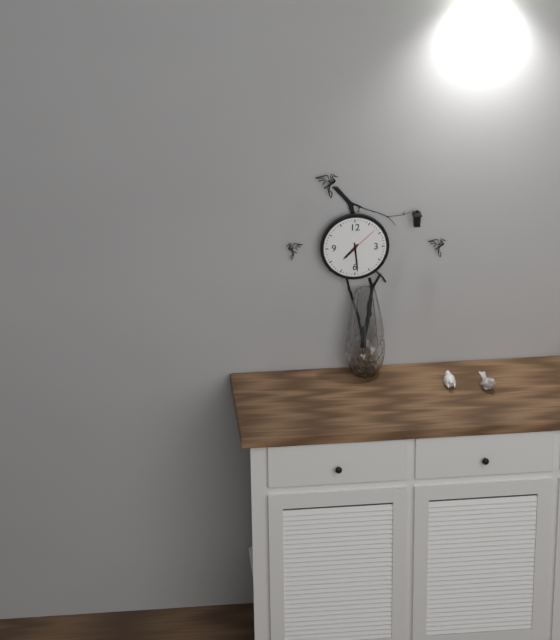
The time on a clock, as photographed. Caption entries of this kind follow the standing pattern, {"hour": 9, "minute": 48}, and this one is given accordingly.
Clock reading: {"hour": 7, "minute": 29}
